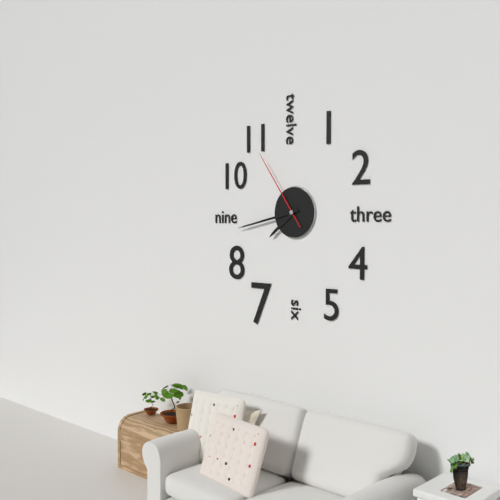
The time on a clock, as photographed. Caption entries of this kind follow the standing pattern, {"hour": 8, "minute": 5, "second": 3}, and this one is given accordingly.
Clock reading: {"hour": 7, "minute": 43, "second": 54}
